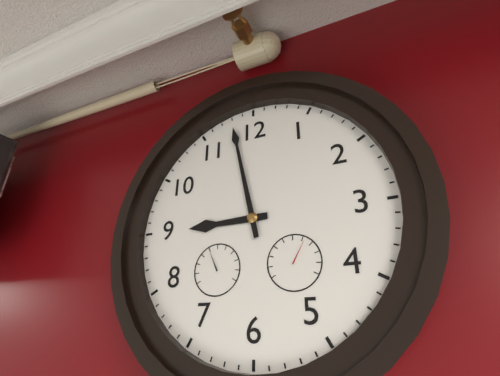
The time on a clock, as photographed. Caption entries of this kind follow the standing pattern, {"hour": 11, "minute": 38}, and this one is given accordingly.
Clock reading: {"hour": 8, "minute": 58}
